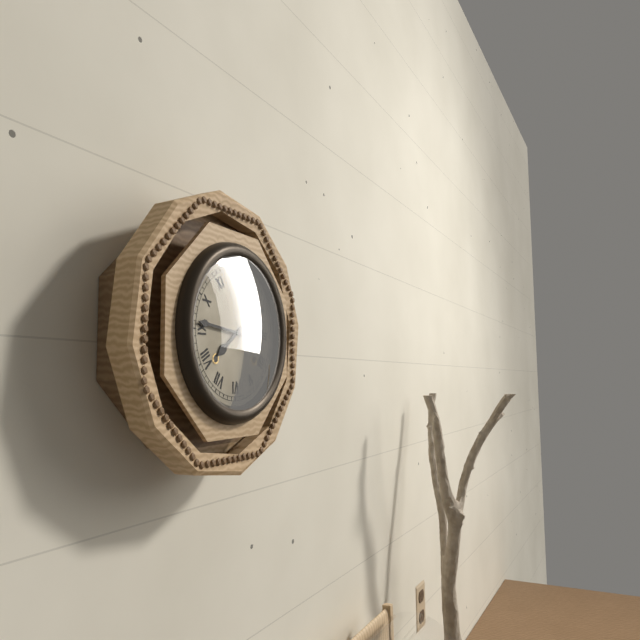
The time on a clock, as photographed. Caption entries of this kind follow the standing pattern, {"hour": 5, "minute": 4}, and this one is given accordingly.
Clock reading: {"hour": 7, "minute": 46}
